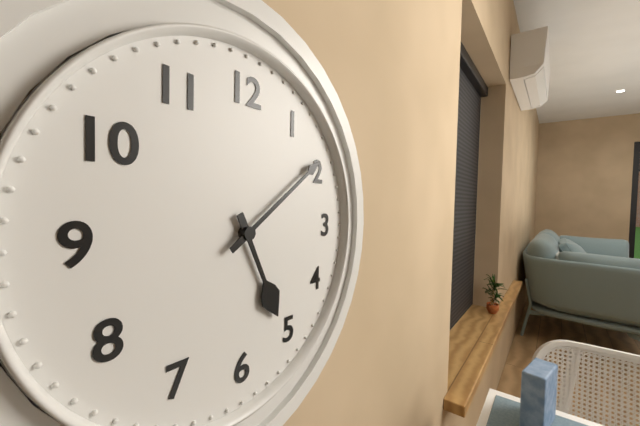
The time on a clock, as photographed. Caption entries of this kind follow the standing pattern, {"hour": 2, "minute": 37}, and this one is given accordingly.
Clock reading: {"hour": 5, "minute": 9}
